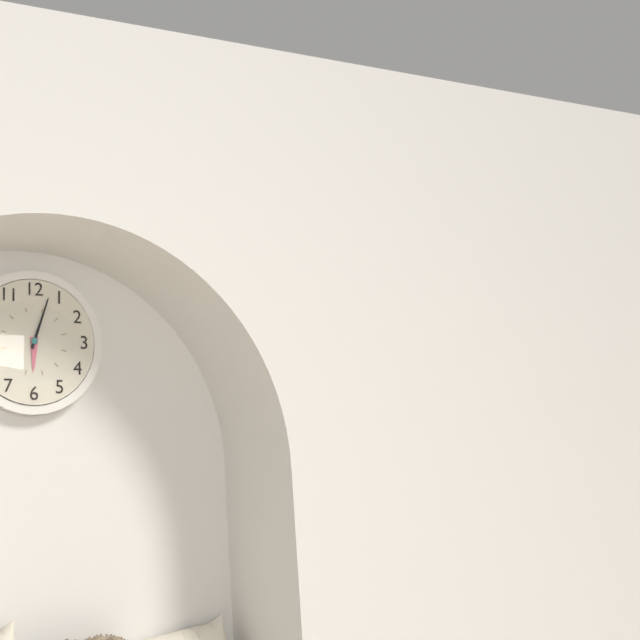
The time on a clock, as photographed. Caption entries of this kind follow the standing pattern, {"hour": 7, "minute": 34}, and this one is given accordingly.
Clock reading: {"hour": 6, "minute": 3}
